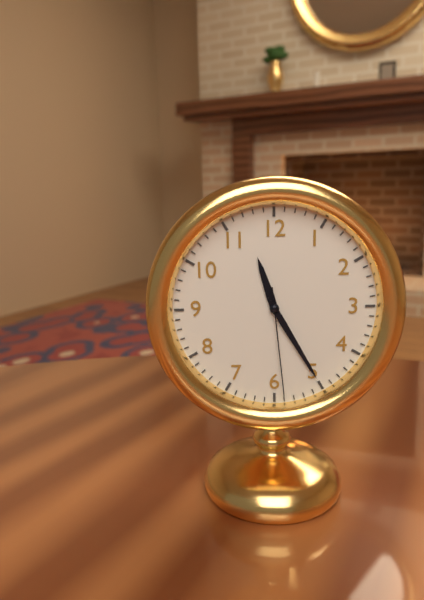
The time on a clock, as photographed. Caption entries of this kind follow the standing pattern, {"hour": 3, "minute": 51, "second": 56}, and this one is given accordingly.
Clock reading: {"hour": 11, "minute": 25, "second": 29}
